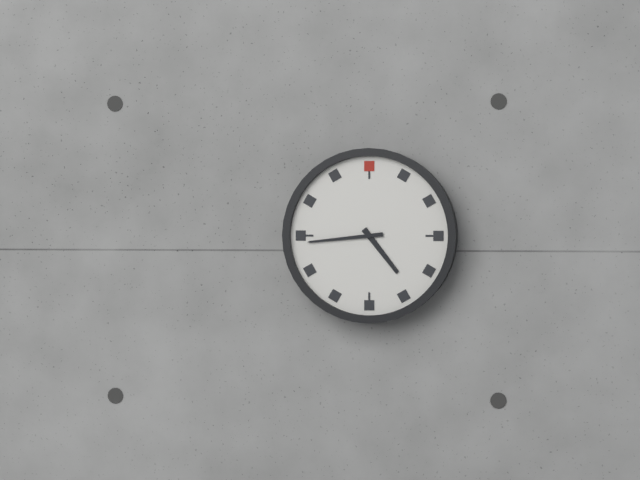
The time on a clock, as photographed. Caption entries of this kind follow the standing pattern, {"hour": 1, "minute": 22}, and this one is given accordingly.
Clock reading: {"hour": 4, "minute": 44}
